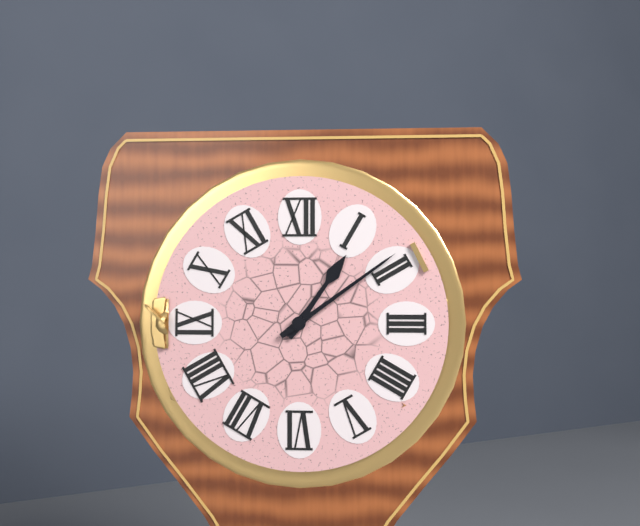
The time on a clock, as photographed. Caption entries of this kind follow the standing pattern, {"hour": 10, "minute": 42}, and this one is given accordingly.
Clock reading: {"hour": 1, "minute": 9}
